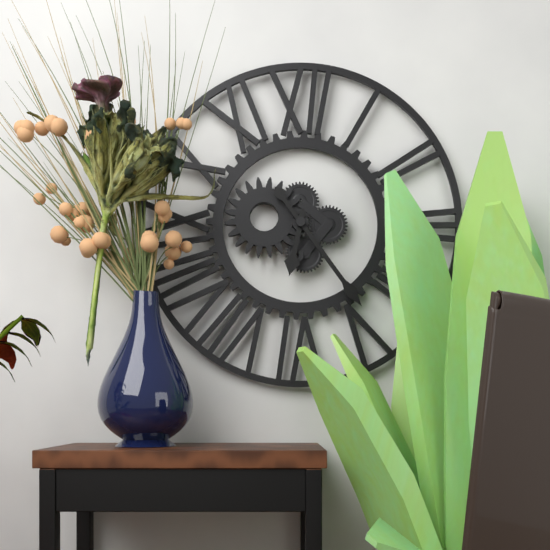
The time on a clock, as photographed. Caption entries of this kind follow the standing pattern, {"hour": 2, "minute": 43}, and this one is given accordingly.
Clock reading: {"hour": 6, "minute": 24}
